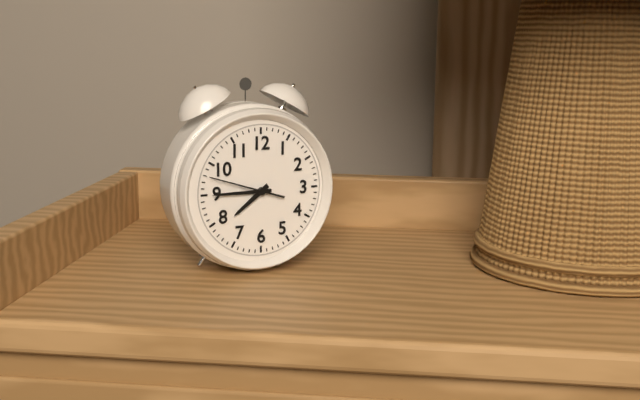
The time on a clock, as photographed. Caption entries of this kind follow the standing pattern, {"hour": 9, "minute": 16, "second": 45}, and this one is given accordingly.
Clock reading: {"hour": 7, "minute": 45, "second": 48}
